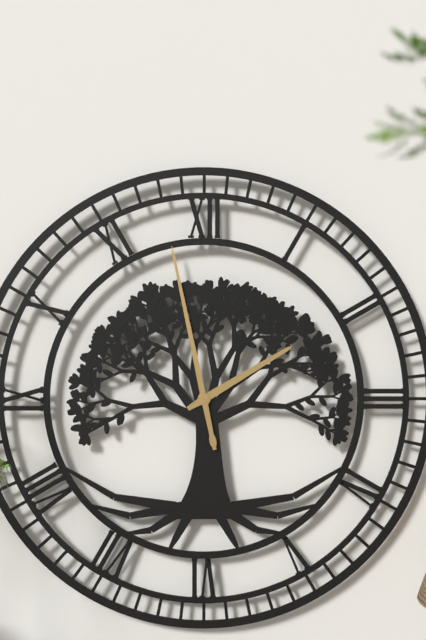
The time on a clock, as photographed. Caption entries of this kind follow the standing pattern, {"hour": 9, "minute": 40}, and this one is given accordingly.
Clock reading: {"hour": 1, "minute": 58}
